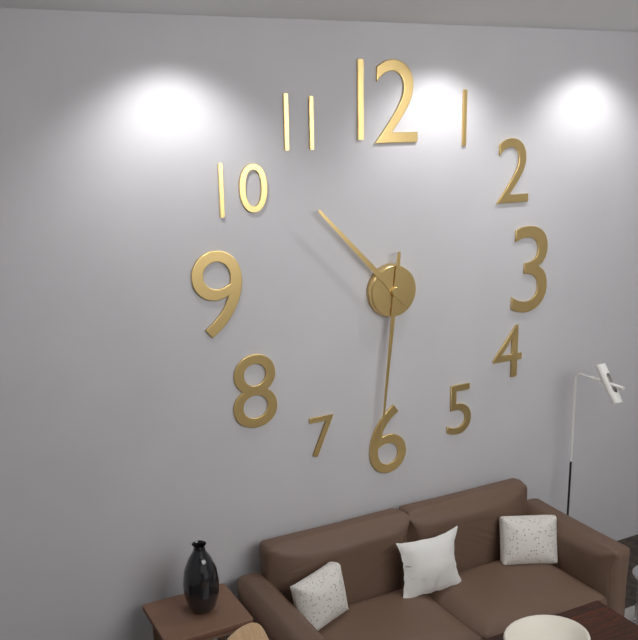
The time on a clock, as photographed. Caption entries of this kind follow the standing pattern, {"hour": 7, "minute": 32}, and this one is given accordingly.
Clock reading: {"hour": 10, "minute": 31}
